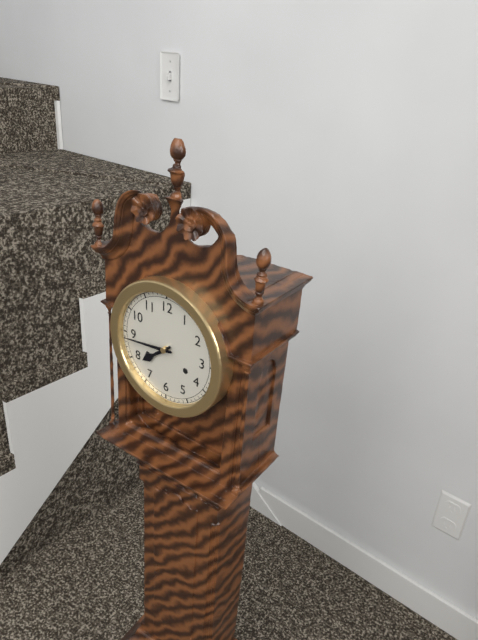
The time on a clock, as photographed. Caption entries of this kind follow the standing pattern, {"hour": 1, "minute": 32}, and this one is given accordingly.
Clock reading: {"hour": 7, "minute": 44}
